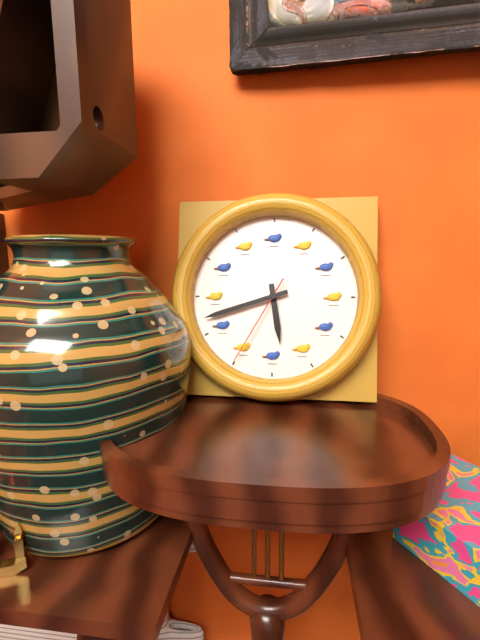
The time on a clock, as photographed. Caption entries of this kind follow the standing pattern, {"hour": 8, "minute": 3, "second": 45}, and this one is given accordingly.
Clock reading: {"hour": 5, "minute": 42, "second": 35}
